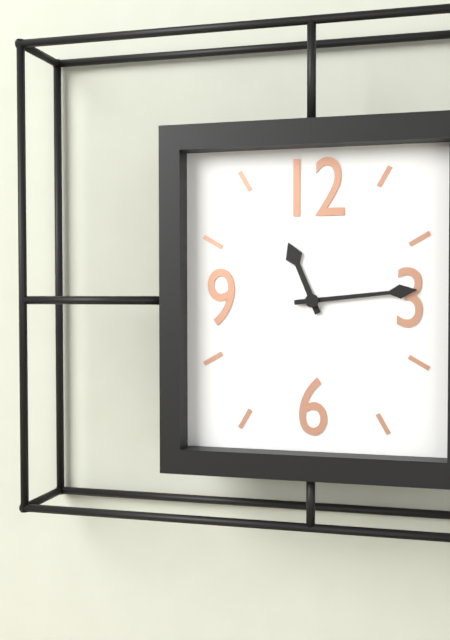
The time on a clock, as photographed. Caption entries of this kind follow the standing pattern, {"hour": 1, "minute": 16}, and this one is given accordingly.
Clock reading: {"hour": 11, "minute": 14}
